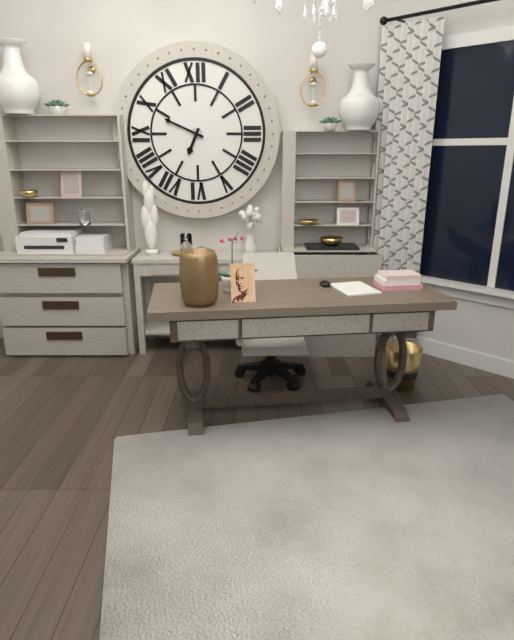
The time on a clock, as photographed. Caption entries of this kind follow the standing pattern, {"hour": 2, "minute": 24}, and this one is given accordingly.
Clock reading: {"hour": 6, "minute": 49}
